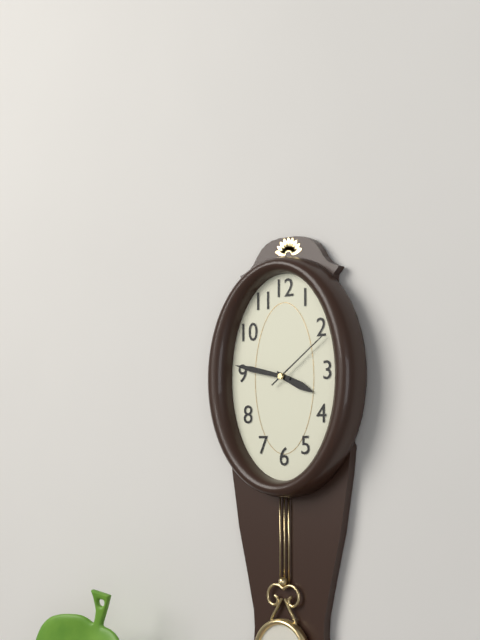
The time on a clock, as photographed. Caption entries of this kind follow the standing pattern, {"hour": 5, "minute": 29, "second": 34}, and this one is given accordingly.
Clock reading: {"hour": 3, "minute": 47, "second": 9}
